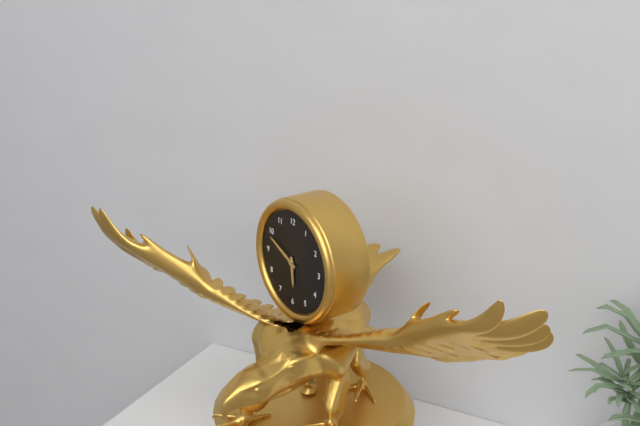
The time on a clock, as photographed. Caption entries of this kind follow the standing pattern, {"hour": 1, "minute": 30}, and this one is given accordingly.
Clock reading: {"hour": 5, "minute": 49}
